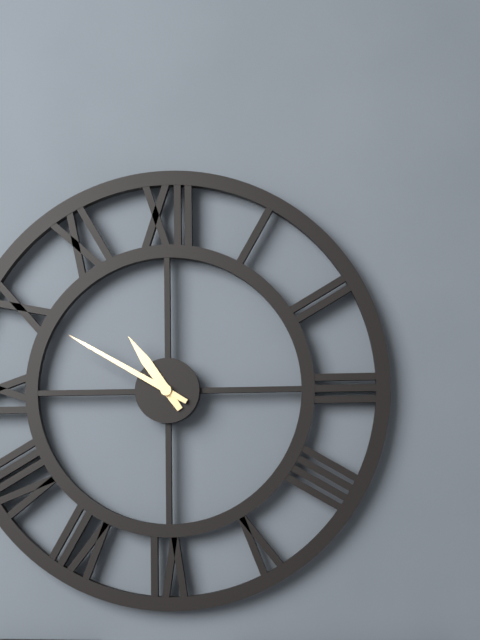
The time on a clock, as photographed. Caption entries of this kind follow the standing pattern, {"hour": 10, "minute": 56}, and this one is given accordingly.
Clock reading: {"hour": 10, "minute": 50}
